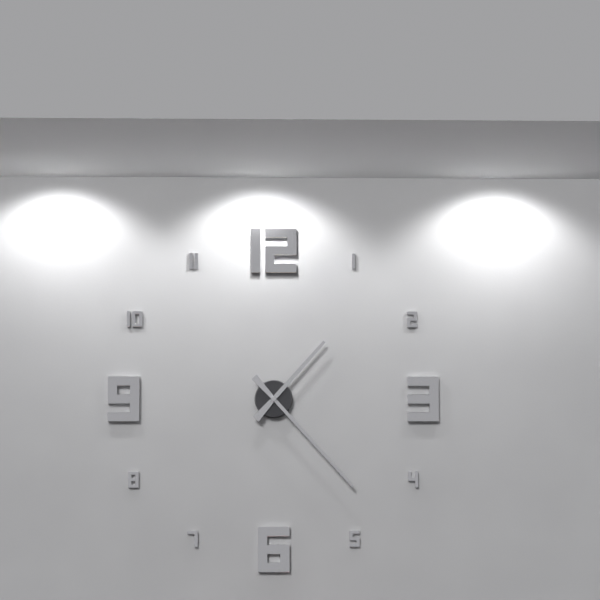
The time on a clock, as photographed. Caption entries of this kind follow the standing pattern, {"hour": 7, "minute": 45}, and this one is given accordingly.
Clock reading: {"hour": 1, "minute": 23}
